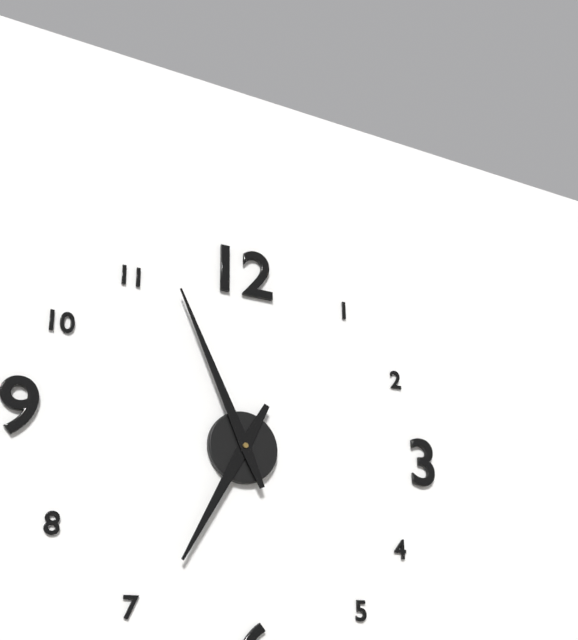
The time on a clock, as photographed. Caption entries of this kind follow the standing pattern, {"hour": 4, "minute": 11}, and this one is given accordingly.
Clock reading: {"hour": 6, "minute": 56}
